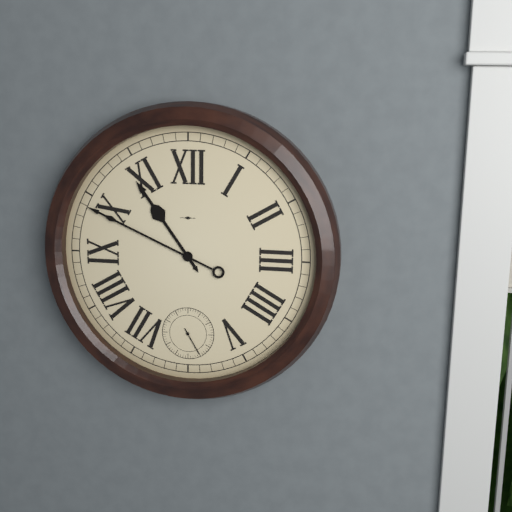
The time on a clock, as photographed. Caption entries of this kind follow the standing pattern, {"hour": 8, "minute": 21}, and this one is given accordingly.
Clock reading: {"hour": 10, "minute": 49}
